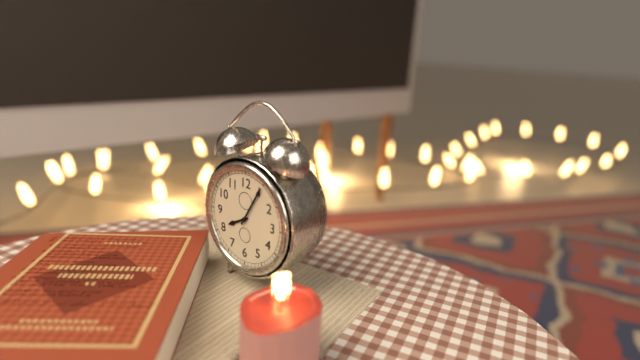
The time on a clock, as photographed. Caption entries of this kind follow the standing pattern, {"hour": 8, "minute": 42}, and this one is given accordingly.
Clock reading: {"hour": 8, "minute": 5}
